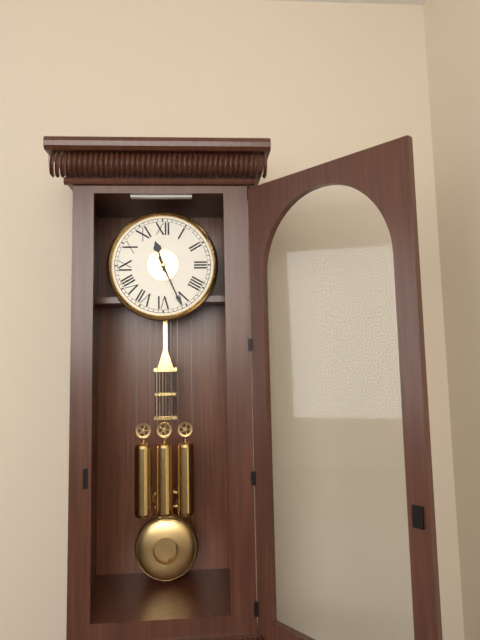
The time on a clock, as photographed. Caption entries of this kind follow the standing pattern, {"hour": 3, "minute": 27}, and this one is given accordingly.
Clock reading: {"hour": 11, "minute": 26}
